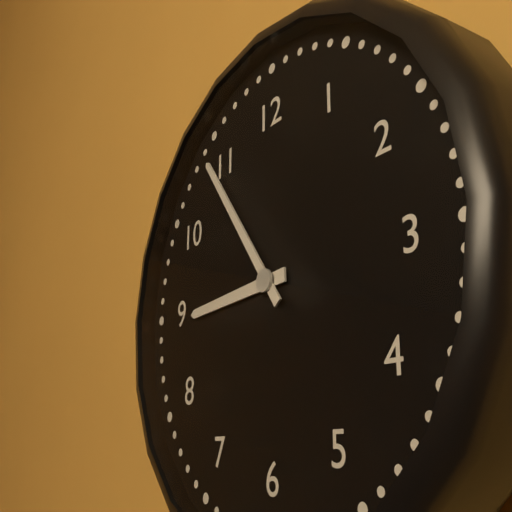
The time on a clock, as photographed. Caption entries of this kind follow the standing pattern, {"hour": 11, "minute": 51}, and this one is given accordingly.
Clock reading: {"hour": 8, "minute": 54}
